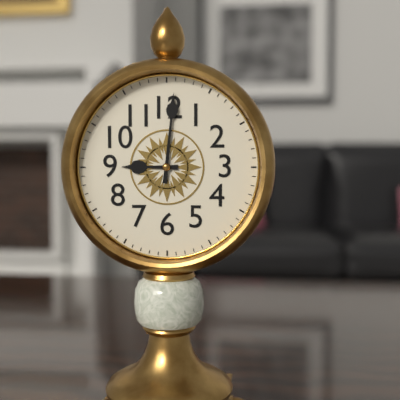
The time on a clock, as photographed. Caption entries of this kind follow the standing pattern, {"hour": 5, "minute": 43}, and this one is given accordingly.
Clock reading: {"hour": 9, "minute": 1}
